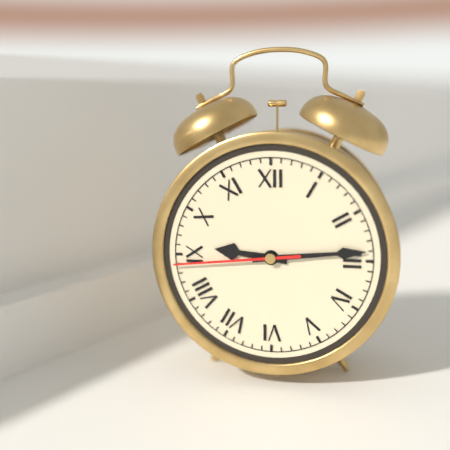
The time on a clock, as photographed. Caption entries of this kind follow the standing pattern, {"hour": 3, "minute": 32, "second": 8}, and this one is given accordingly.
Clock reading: {"hour": 9, "minute": 14, "second": 44}
